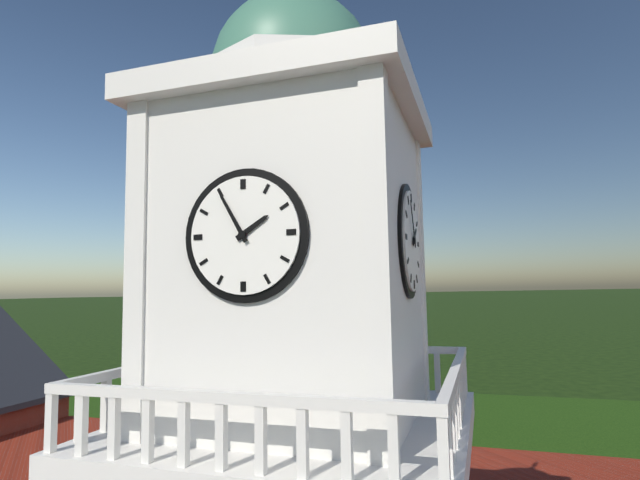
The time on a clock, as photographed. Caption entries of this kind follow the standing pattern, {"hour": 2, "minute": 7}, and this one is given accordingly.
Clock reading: {"hour": 1, "minute": 55}
